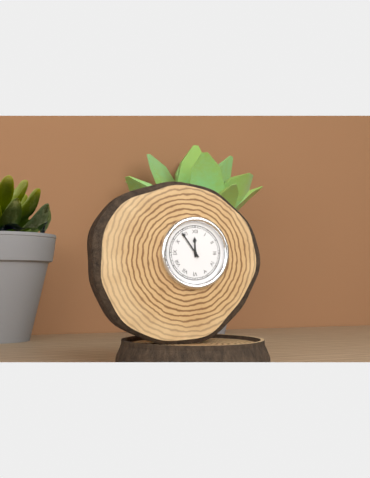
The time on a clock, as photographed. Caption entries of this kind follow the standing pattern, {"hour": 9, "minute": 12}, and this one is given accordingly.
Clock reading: {"hour": 11, "minute": 54}
